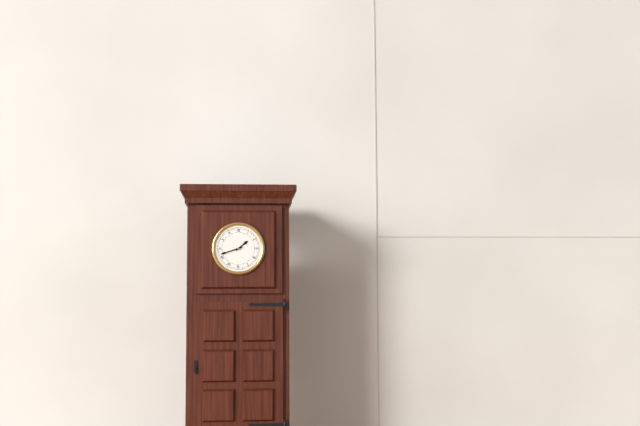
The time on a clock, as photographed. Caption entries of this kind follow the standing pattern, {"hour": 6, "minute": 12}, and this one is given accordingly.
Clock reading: {"hour": 1, "minute": 42}
